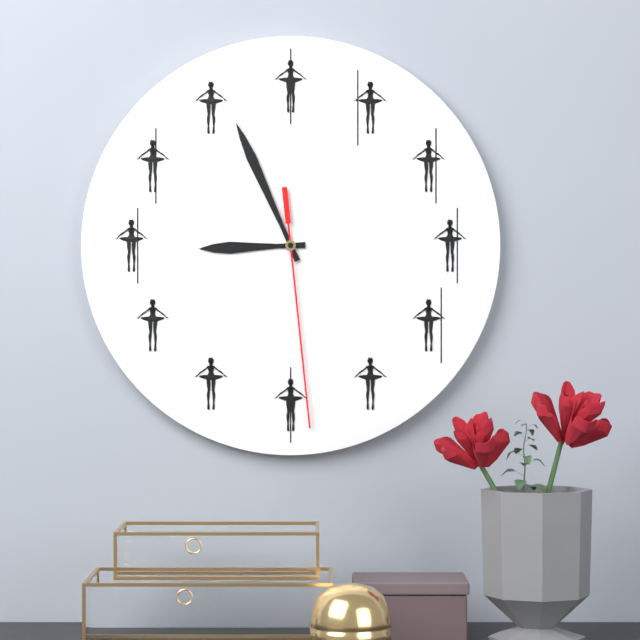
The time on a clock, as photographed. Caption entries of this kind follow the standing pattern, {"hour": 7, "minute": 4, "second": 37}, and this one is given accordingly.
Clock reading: {"hour": 8, "minute": 56, "second": 29}
